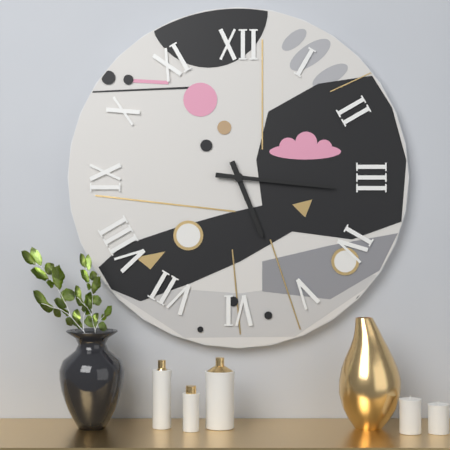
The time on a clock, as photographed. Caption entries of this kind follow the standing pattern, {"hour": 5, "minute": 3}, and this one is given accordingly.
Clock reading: {"hour": 5, "minute": 16}
